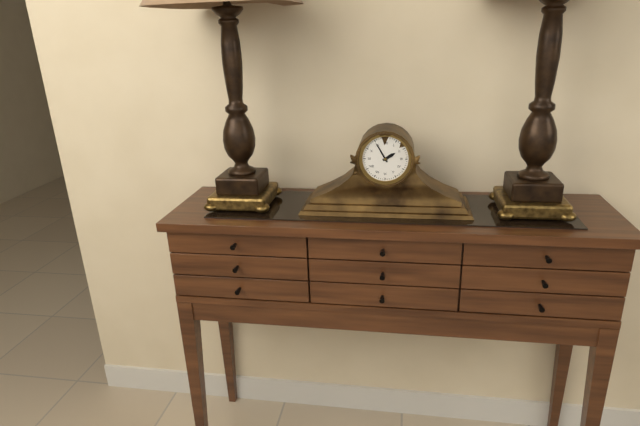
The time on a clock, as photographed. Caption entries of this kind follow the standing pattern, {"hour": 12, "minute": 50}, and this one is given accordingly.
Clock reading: {"hour": 1, "minute": 55}
